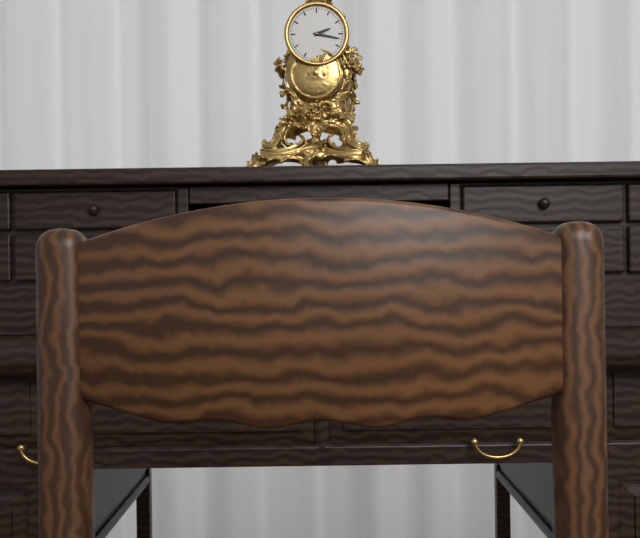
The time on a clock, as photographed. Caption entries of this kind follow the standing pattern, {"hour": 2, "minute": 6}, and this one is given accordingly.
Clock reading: {"hour": 2, "minute": 17}
